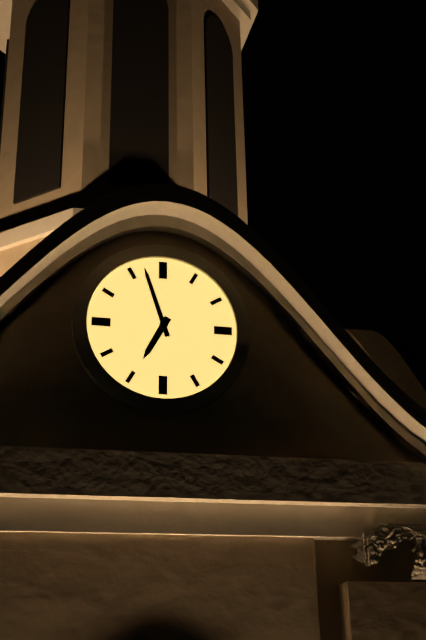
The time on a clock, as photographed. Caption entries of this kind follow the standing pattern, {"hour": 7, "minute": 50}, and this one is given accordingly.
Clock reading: {"hour": 6, "minute": 57}
